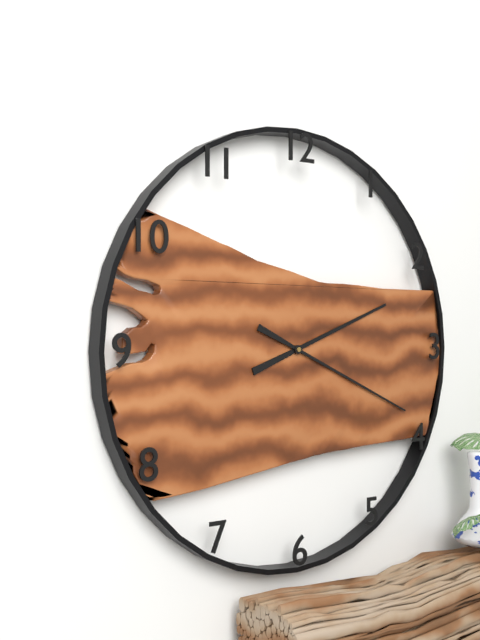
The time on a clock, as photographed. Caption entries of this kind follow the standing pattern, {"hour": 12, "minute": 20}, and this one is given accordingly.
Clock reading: {"hour": 2, "minute": 19}
